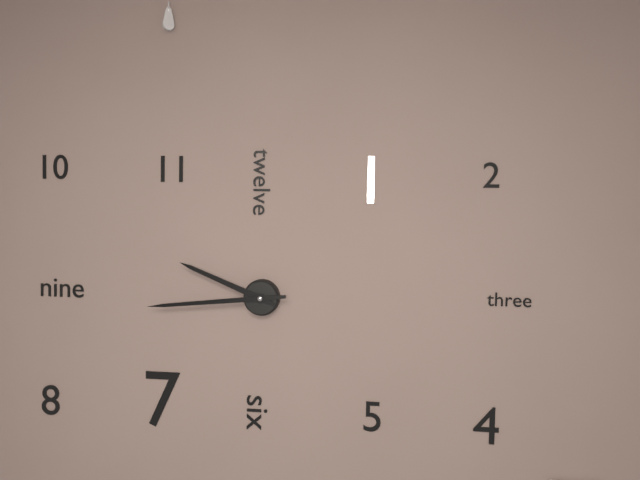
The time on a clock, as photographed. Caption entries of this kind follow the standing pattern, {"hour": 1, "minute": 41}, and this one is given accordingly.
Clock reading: {"hour": 9, "minute": 44}
